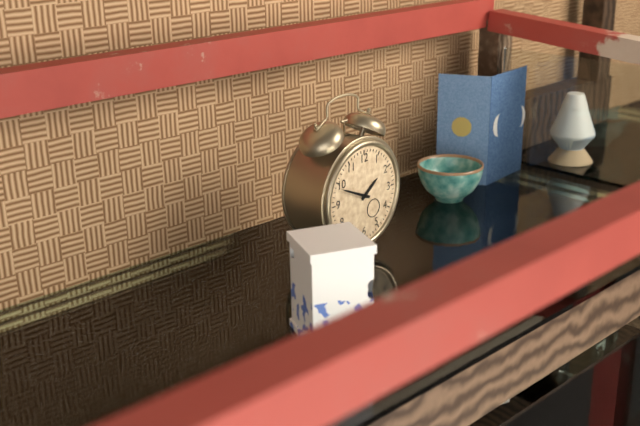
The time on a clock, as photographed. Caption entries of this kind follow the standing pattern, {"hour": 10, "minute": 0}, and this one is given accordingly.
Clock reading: {"hour": 1, "minute": 49}
